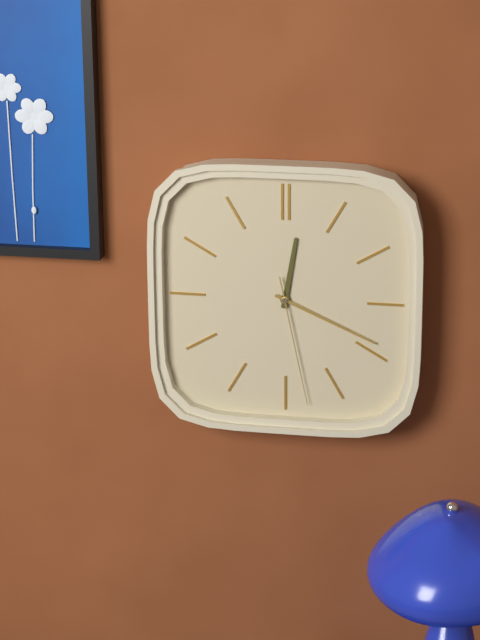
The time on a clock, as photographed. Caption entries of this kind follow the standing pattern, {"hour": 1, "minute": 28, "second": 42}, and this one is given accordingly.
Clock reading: {"hour": 12, "minute": 19, "second": 28}
